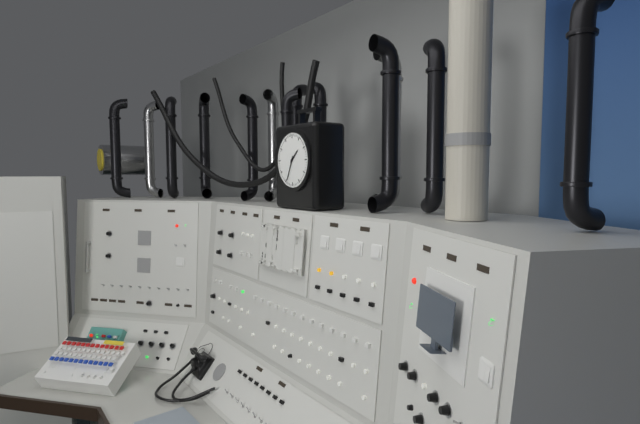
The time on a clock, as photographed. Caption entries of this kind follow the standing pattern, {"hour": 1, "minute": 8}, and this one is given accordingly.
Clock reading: {"hour": 1, "minute": 34}
